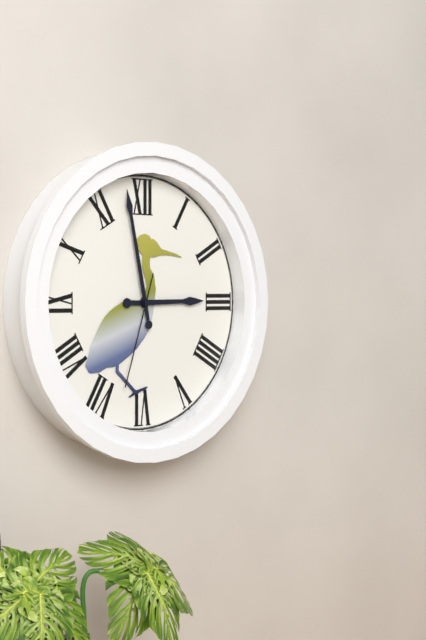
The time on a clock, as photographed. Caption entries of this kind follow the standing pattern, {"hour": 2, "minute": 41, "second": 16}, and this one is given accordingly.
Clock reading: {"hour": 2, "minute": 58, "second": 33}
